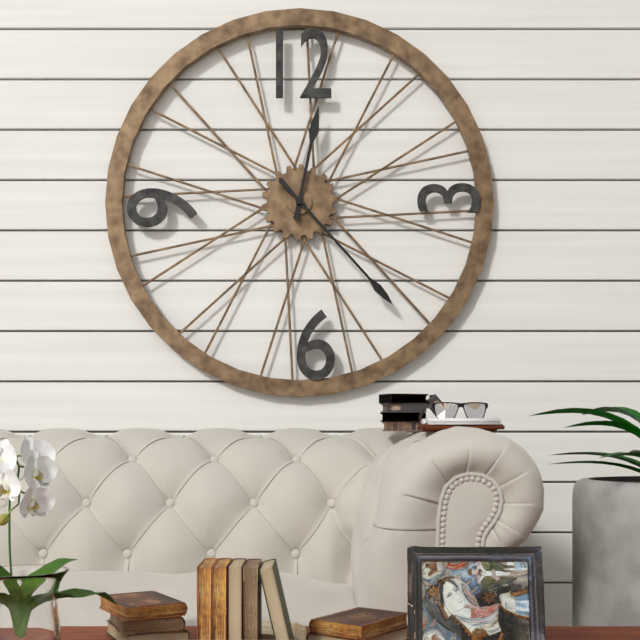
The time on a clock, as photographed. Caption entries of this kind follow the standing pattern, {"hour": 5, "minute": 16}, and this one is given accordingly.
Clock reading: {"hour": 12, "minute": 23}
